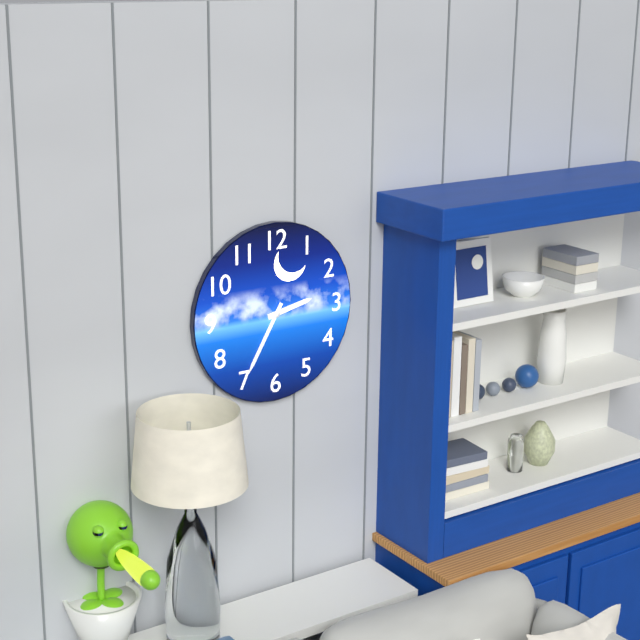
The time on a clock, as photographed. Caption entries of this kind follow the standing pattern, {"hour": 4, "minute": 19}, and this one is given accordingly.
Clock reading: {"hour": 2, "minute": 35}
